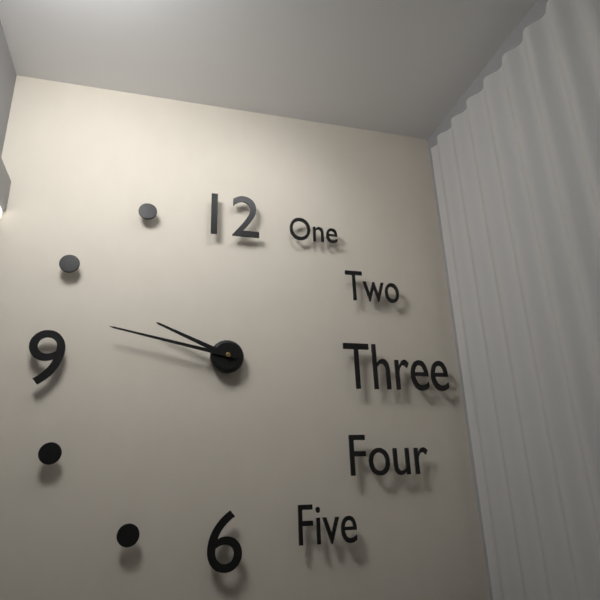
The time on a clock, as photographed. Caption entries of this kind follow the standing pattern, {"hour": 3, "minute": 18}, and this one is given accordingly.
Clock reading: {"hour": 9, "minute": 47}
